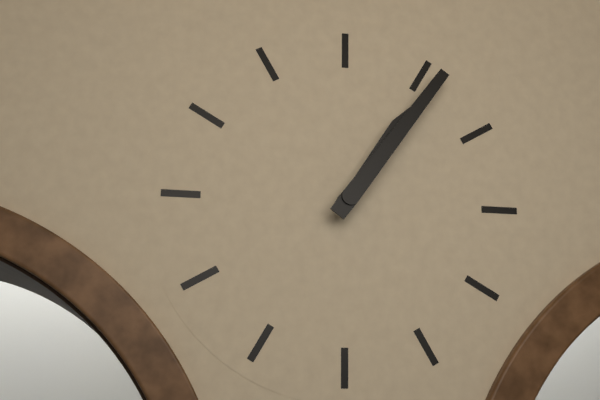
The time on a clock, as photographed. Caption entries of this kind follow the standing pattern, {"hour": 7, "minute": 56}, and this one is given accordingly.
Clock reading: {"hour": 1, "minute": 6}
